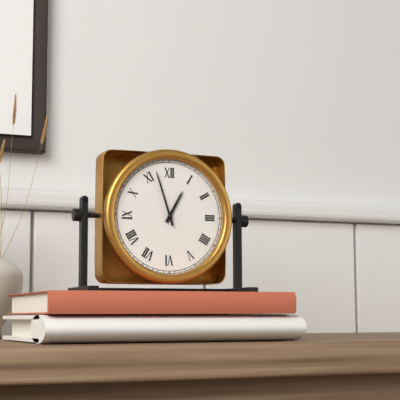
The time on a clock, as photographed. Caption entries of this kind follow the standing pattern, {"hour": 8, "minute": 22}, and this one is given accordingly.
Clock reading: {"hour": 12, "minute": 57}
